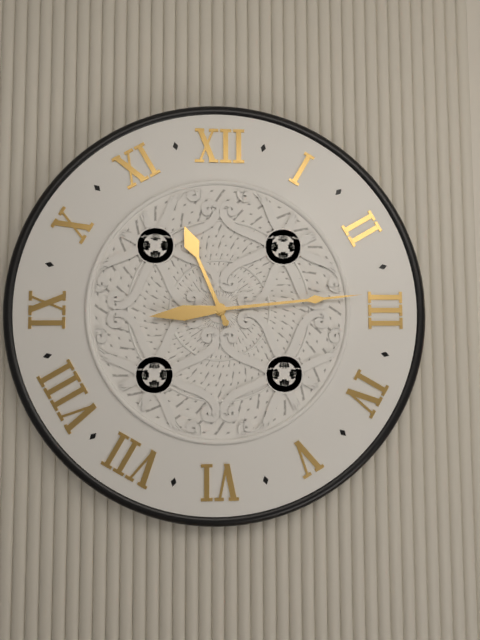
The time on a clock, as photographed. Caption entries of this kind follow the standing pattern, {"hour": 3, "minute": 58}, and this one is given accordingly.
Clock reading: {"hour": 11, "minute": 14}
